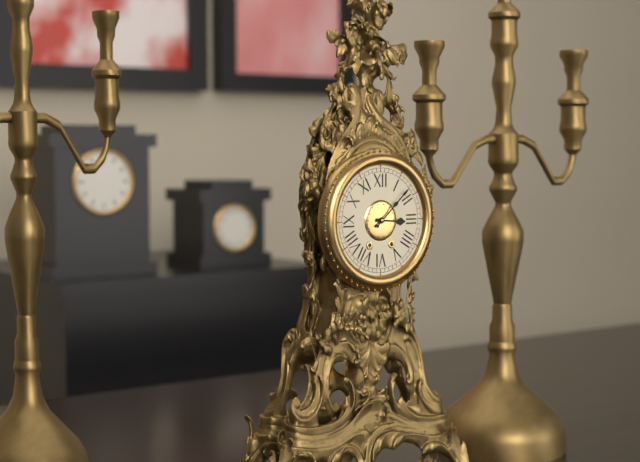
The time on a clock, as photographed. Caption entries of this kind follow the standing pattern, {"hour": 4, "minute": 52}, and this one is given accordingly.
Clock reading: {"hour": 3, "minute": 8}
